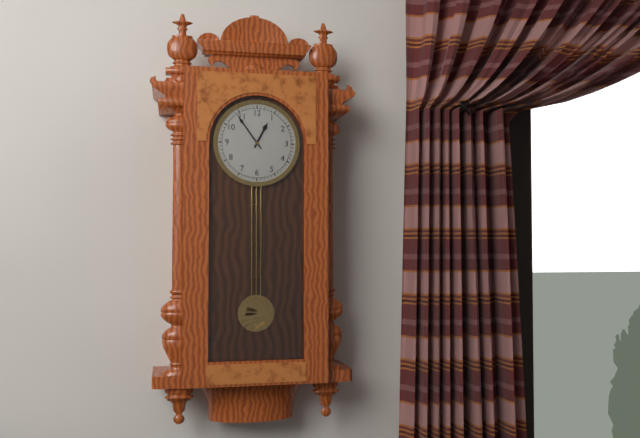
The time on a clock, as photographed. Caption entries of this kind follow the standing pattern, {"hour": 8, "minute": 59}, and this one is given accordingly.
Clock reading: {"hour": 12, "minute": 54}
